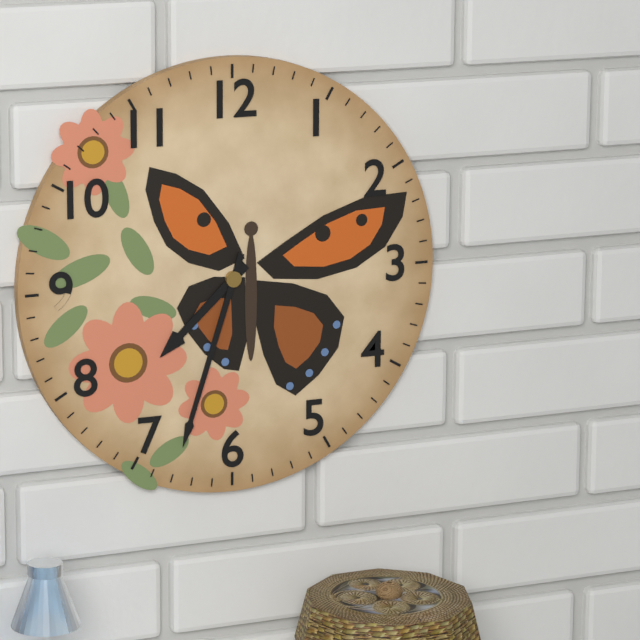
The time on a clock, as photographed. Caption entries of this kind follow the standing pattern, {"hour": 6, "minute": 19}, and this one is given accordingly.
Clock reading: {"hour": 7, "minute": 33}
